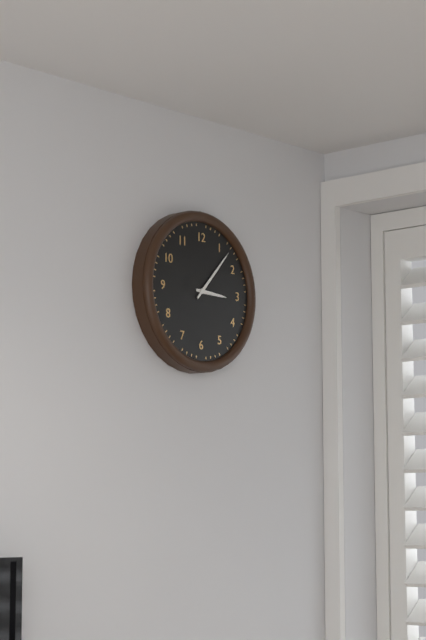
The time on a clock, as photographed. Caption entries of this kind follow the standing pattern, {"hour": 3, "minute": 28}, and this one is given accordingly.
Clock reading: {"hour": 3, "minute": 7}
